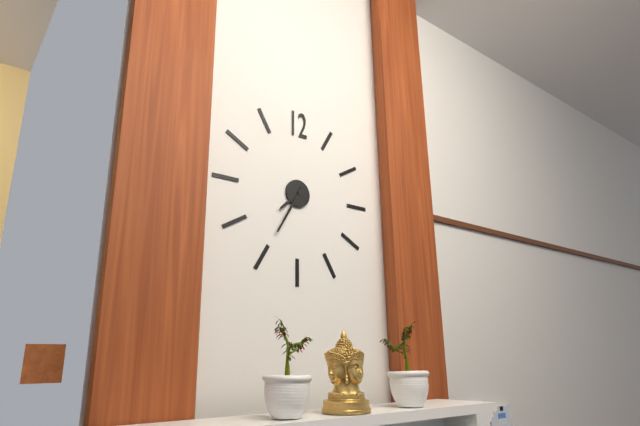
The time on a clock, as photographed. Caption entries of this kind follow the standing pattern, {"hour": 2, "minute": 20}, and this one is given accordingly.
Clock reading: {"hour": 7, "minute": 35}
